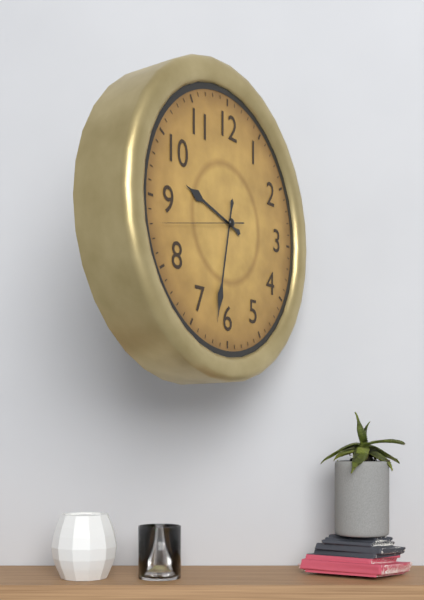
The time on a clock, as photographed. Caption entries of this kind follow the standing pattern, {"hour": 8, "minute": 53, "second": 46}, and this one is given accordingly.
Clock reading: {"hour": 9, "minute": 32, "second": 43}
